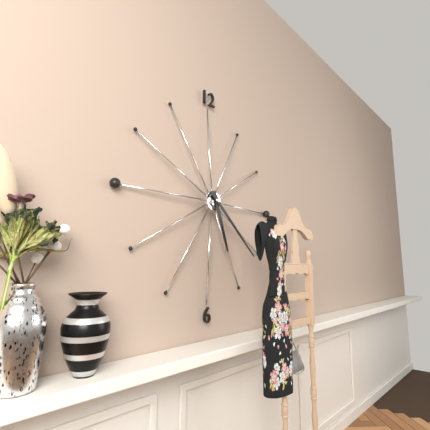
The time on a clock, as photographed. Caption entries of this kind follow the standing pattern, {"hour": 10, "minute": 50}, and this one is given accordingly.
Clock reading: {"hour": 5, "minute": 22}
